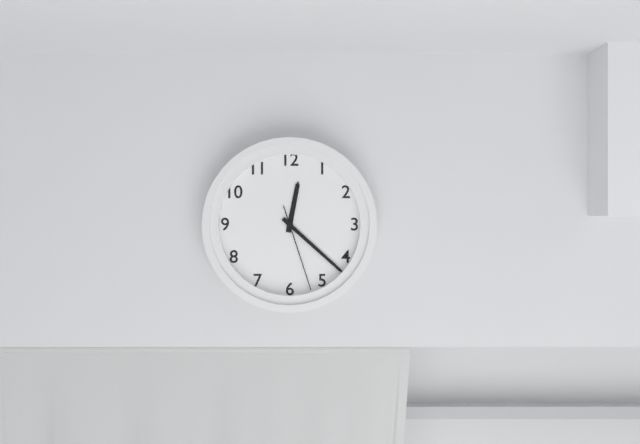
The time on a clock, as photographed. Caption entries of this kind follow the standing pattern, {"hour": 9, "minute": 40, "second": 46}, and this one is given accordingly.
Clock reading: {"hour": 12, "minute": 22, "second": 27}
